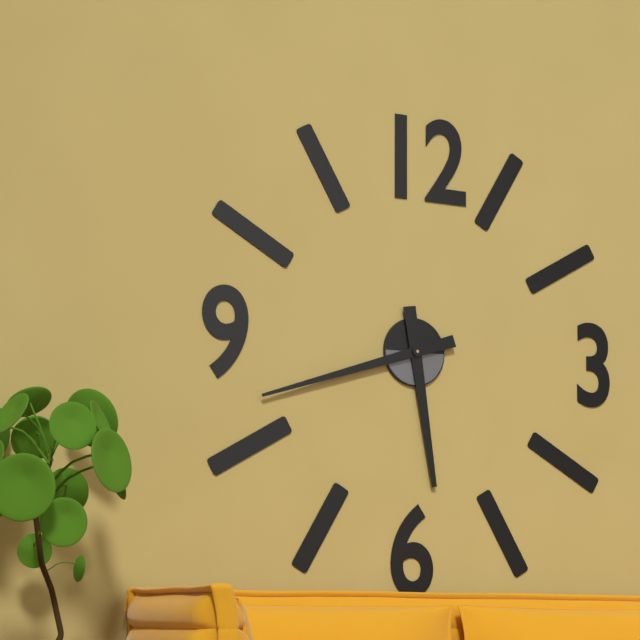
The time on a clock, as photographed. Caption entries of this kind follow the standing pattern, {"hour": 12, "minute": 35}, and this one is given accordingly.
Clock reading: {"hour": 5, "minute": 42}
